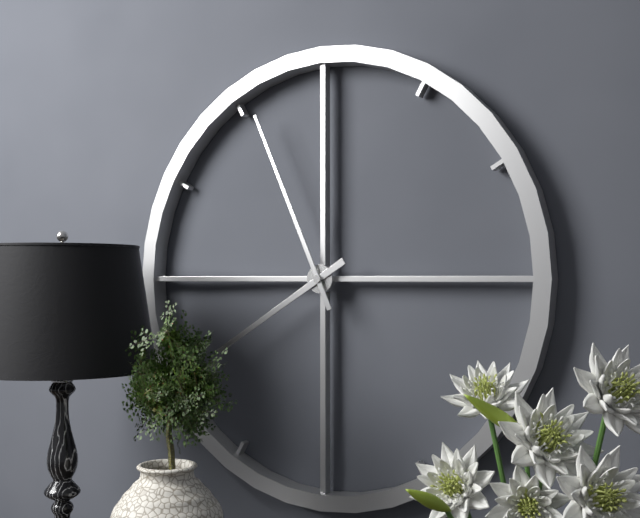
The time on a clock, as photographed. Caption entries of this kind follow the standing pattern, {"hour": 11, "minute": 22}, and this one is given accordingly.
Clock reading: {"hour": 7, "minute": 56}
